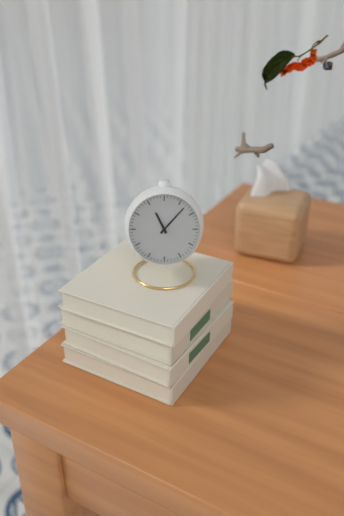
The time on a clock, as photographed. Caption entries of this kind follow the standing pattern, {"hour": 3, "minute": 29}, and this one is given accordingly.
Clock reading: {"hour": 11, "minute": 7}
